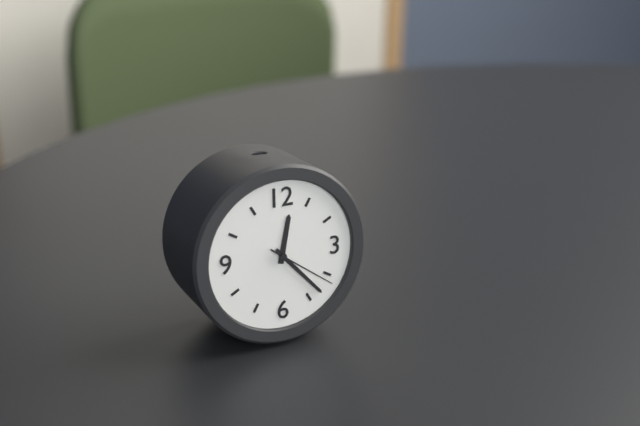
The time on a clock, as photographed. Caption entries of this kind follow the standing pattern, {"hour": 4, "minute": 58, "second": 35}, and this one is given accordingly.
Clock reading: {"hour": 12, "minute": 23, "second": 21}
